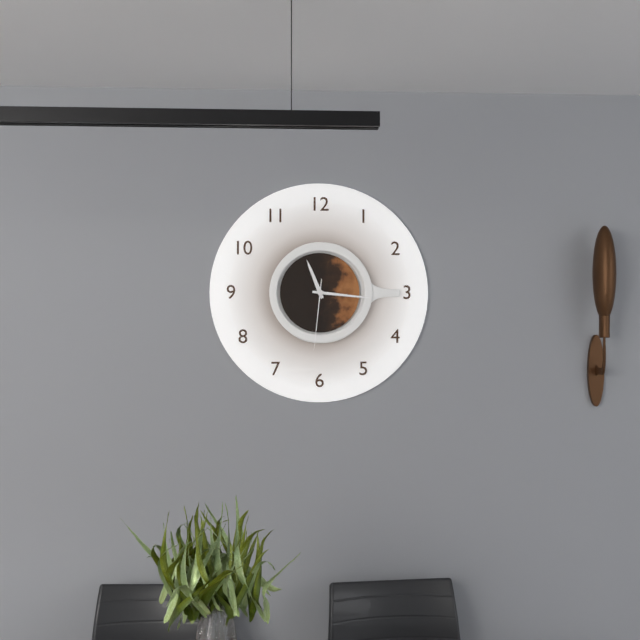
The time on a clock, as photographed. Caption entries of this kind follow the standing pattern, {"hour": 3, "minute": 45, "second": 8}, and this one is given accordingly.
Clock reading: {"hour": 11, "minute": 16, "second": 31}
